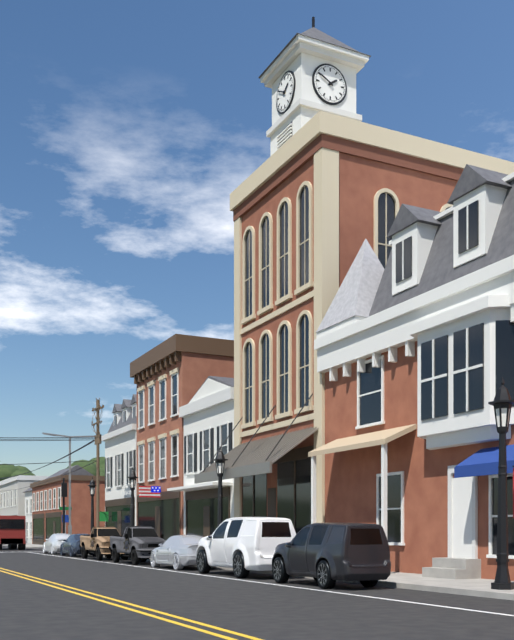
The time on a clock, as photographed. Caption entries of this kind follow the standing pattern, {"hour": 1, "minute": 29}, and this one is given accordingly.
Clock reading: {"hour": 1, "minute": 50}
